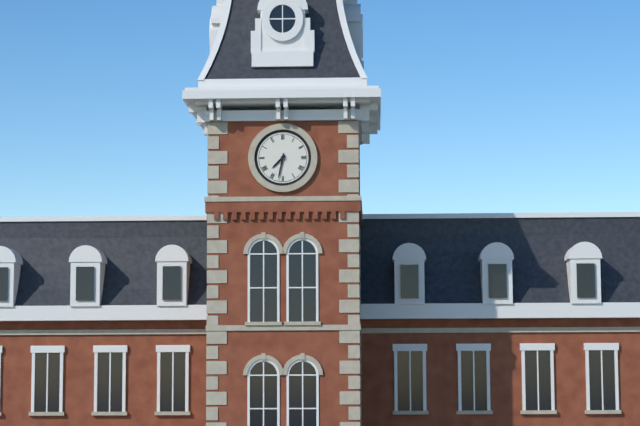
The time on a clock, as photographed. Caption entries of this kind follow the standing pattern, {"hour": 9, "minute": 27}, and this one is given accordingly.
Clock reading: {"hour": 7, "minute": 32}
